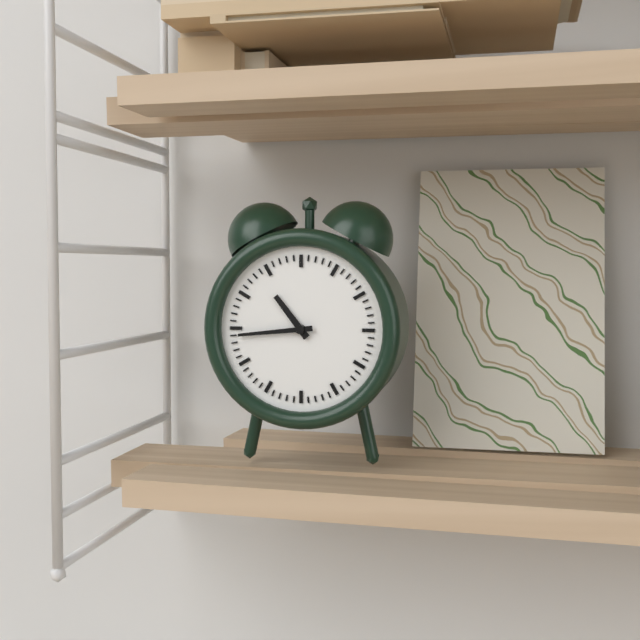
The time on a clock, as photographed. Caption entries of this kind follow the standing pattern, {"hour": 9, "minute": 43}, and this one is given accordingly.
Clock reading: {"hour": 10, "minute": 44}
